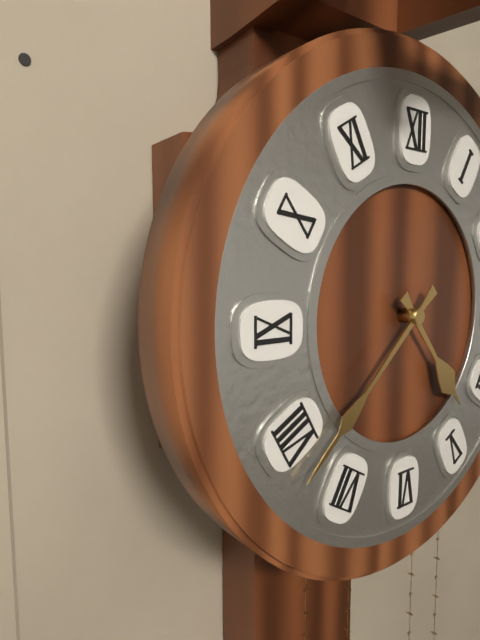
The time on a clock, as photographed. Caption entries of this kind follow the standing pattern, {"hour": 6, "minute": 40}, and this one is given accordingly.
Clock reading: {"hour": 4, "minute": 38}
